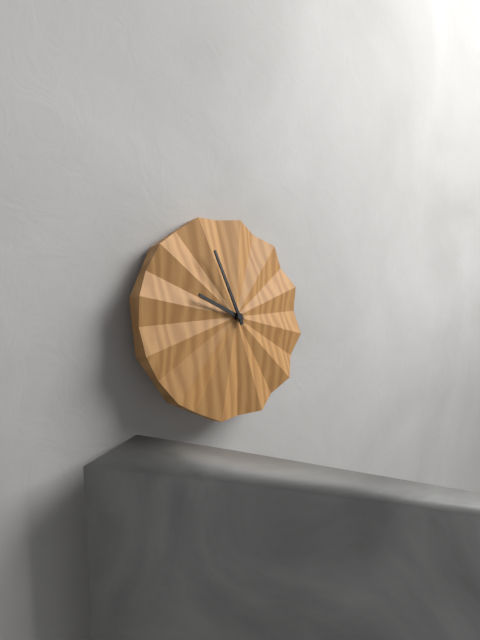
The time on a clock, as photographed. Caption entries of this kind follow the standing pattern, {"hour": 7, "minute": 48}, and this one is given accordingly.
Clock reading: {"hour": 9, "minute": 57}
